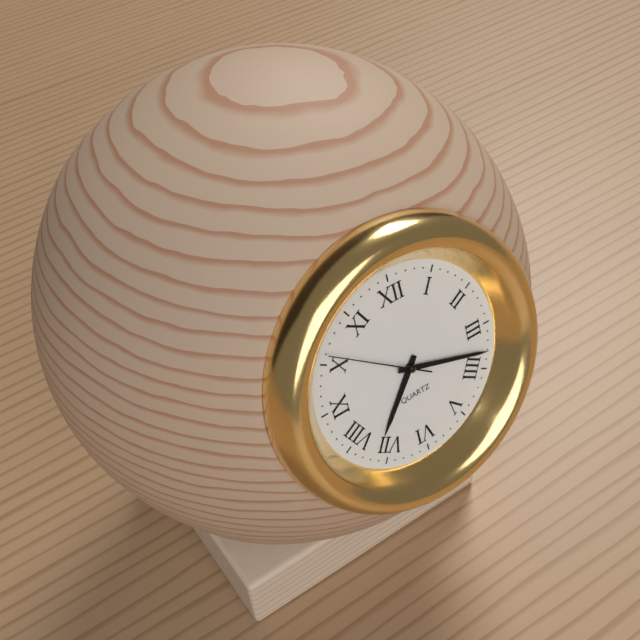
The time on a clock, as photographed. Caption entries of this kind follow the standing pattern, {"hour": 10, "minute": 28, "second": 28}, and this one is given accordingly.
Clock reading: {"hour": 7, "minute": 18, "second": 51}
